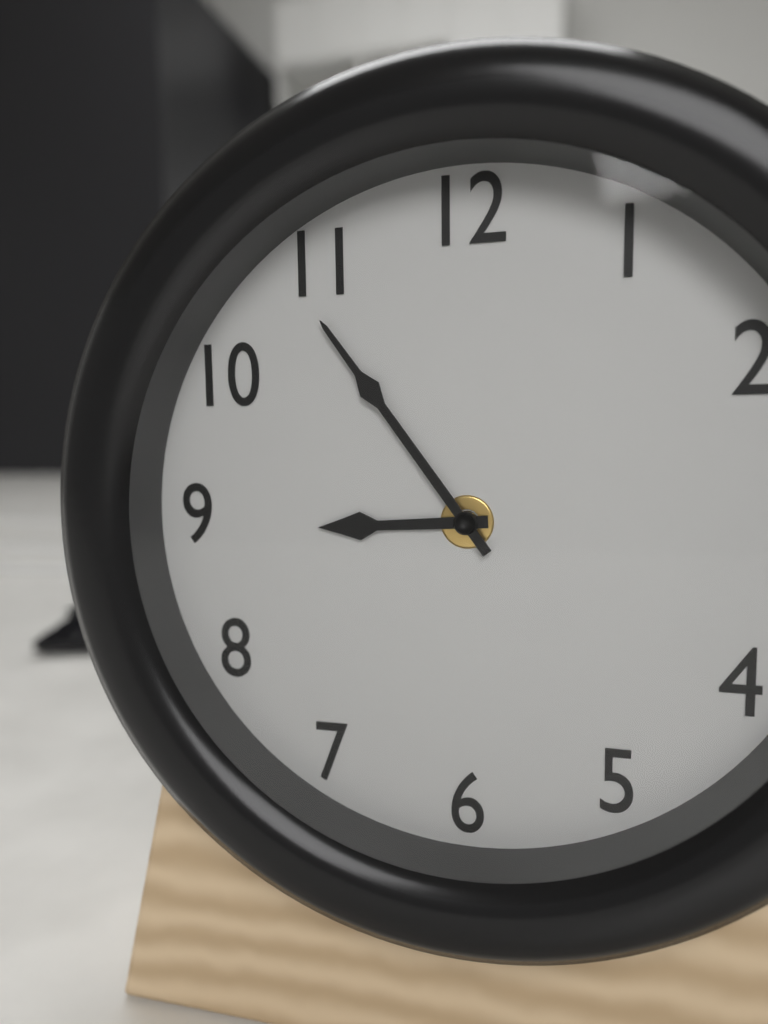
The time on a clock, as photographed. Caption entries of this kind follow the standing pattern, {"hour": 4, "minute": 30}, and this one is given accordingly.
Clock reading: {"hour": 8, "minute": 54}
